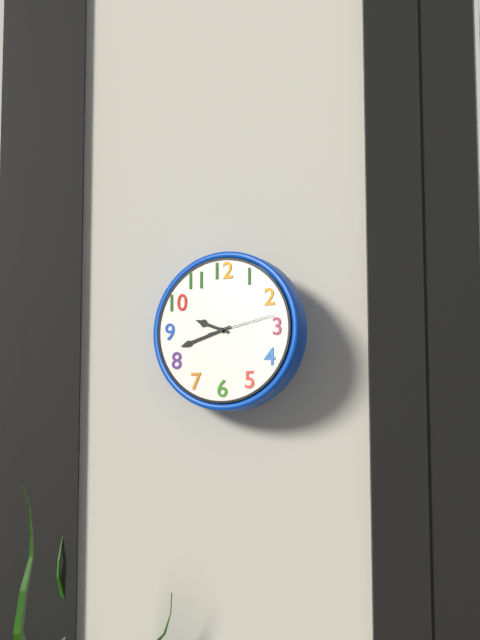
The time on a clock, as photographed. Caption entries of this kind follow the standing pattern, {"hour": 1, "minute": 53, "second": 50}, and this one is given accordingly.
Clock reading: {"hour": 9, "minute": 42, "second": 13}
